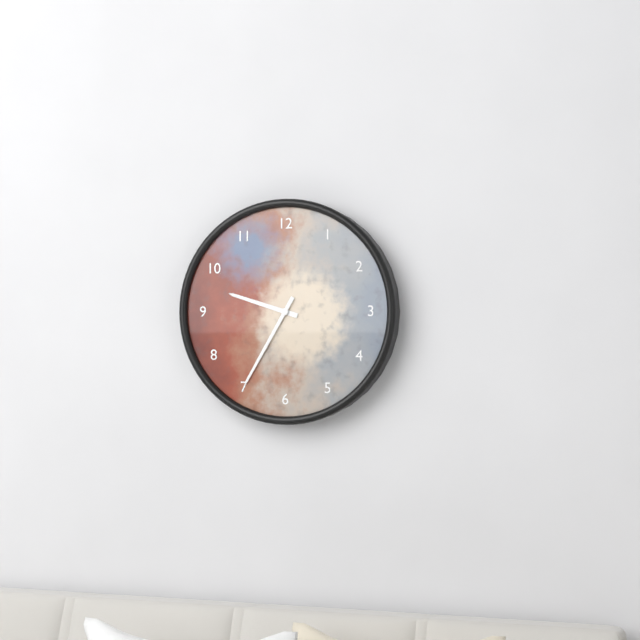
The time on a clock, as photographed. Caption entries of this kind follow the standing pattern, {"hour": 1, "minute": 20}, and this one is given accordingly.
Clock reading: {"hour": 9, "minute": 35}
